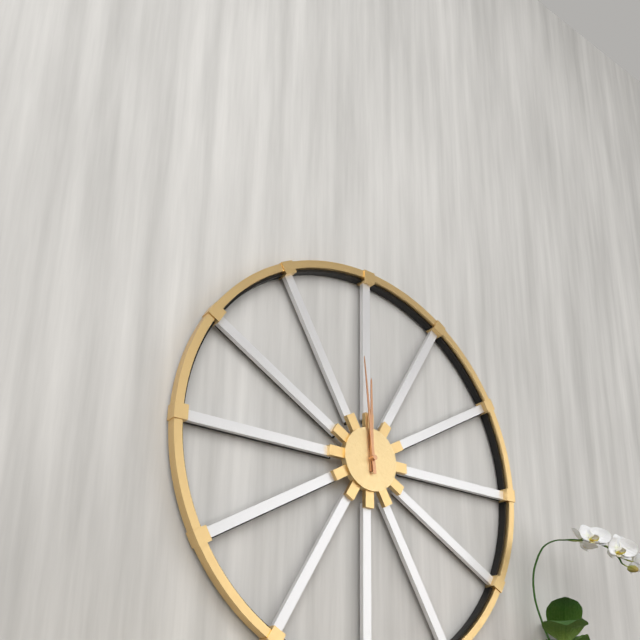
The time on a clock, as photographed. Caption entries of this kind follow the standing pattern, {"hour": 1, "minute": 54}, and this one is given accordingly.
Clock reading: {"hour": 11, "minute": 59}
